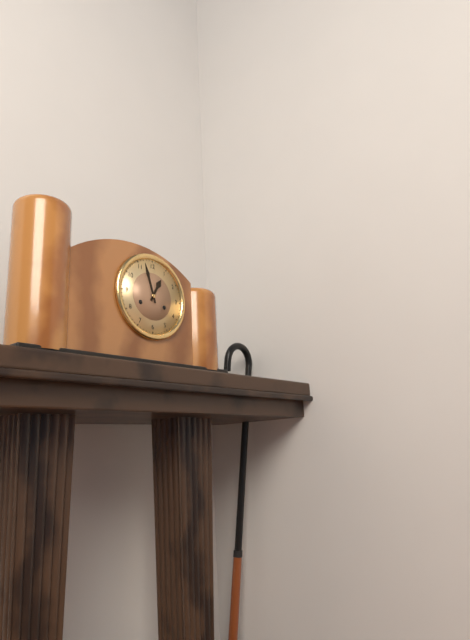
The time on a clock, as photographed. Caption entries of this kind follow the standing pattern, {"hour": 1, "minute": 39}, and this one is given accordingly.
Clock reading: {"hour": 12, "minute": 57}
